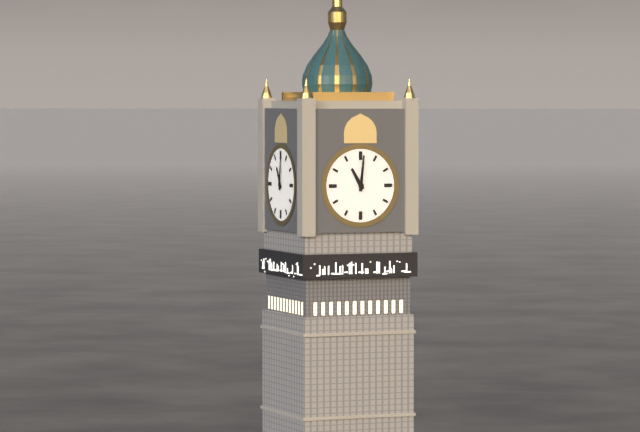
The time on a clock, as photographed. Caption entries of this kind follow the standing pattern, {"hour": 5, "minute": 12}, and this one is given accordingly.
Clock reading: {"hour": 11, "minute": 1}
